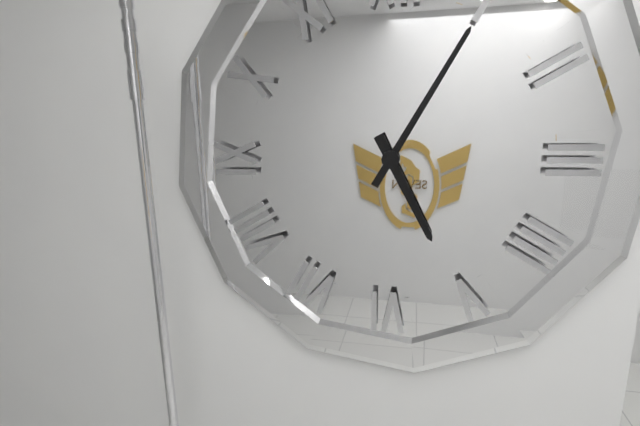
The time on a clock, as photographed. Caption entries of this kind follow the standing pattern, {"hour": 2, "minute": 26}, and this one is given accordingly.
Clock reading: {"hour": 5, "minute": 5}
